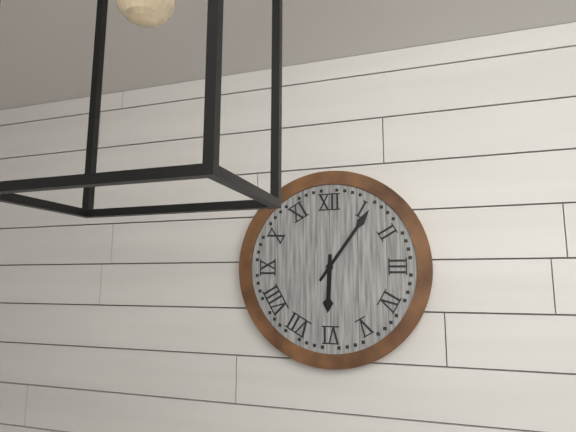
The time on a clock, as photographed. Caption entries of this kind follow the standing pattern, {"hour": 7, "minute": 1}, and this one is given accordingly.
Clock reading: {"hour": 6, "minute": 6}
